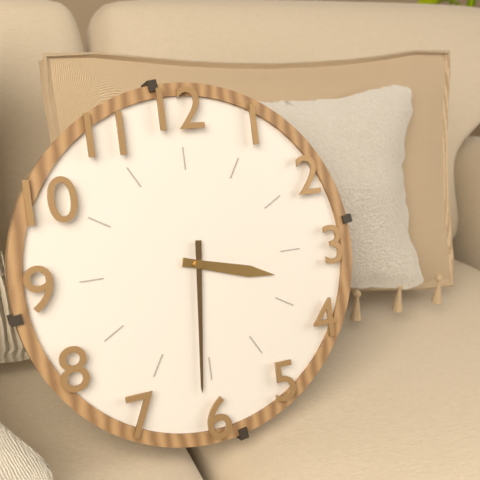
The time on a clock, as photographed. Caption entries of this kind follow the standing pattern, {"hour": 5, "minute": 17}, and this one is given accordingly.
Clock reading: {"hour": 3, "minute": 31}
